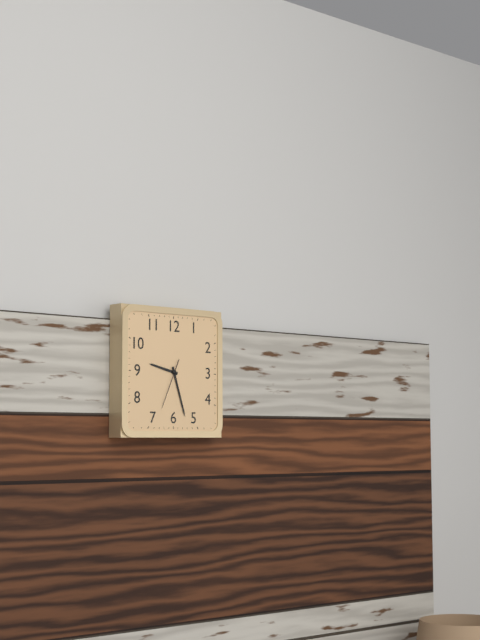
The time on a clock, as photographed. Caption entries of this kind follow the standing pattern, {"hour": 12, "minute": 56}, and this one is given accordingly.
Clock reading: {"hour": 9, "minute": 27}
